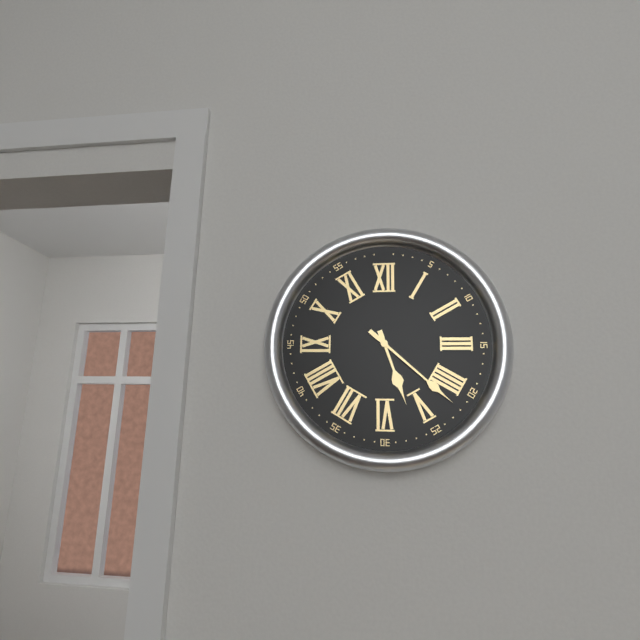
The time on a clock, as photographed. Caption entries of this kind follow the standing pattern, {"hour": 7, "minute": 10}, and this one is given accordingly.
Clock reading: {"hour": 5, "minute": 22}
